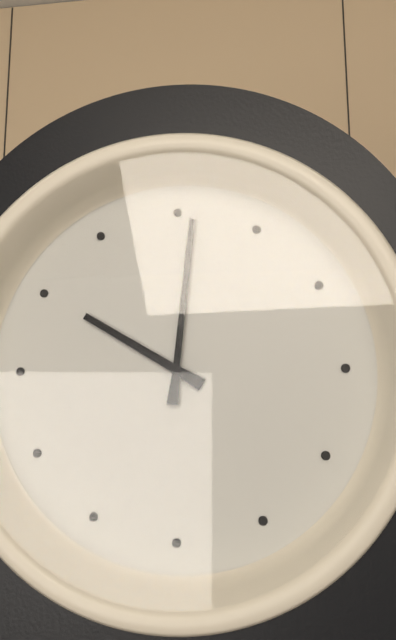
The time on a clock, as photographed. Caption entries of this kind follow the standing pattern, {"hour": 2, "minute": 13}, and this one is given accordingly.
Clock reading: {"hour": 10, "minute": 1}
